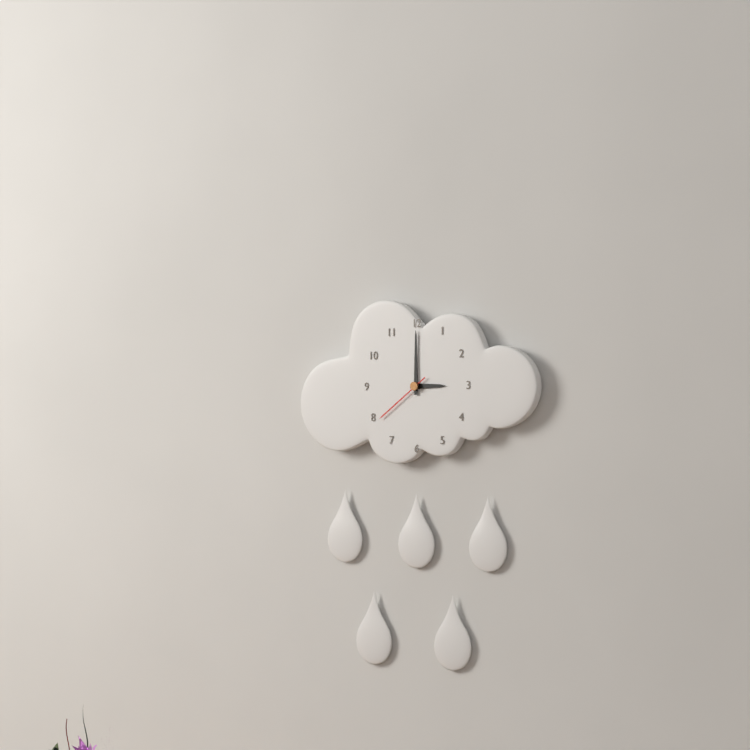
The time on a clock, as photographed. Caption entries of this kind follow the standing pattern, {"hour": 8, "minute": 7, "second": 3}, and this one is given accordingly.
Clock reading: {"hour": 3, "minute": 0, "second": 39}
